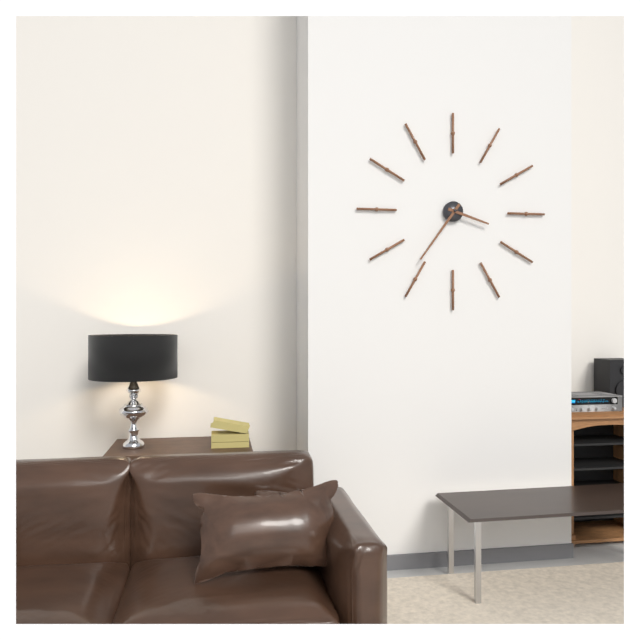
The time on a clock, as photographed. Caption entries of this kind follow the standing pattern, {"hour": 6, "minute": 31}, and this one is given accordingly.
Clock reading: {"hour": 3, "minute": 36}
